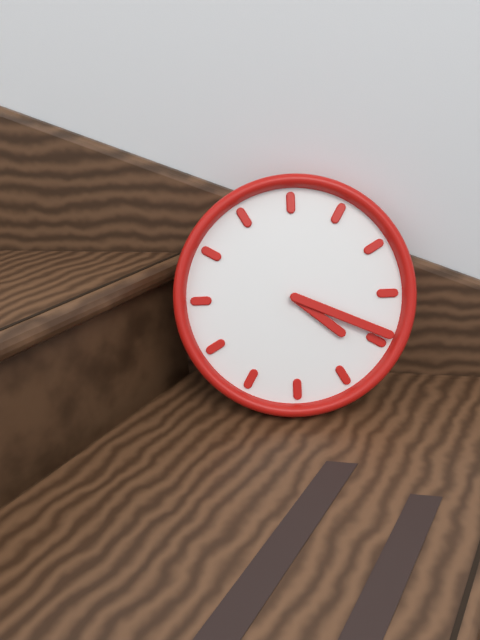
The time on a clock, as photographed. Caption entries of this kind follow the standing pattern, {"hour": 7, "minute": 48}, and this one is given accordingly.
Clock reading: {"hour": 4, "minute": 19}
